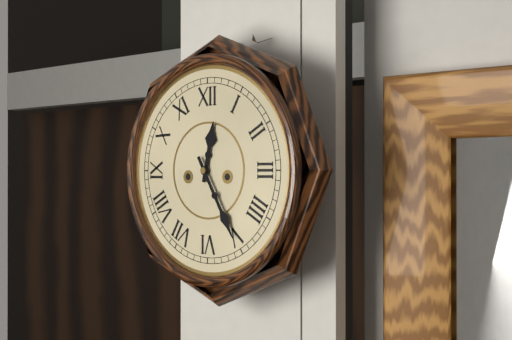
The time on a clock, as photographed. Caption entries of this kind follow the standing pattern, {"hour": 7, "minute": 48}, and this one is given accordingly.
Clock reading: {"hour": 12, "minute": 25}
